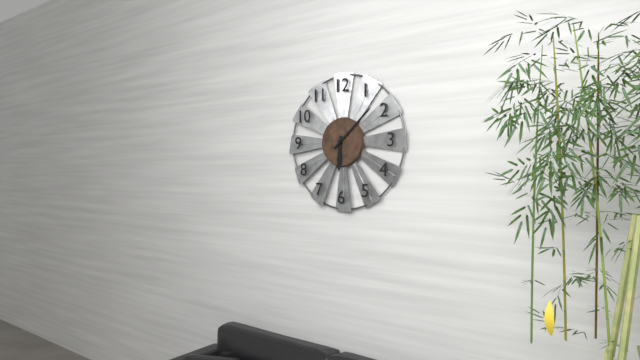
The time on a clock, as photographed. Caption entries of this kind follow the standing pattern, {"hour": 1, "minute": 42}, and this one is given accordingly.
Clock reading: {"hour": 6, "minute": 8}
